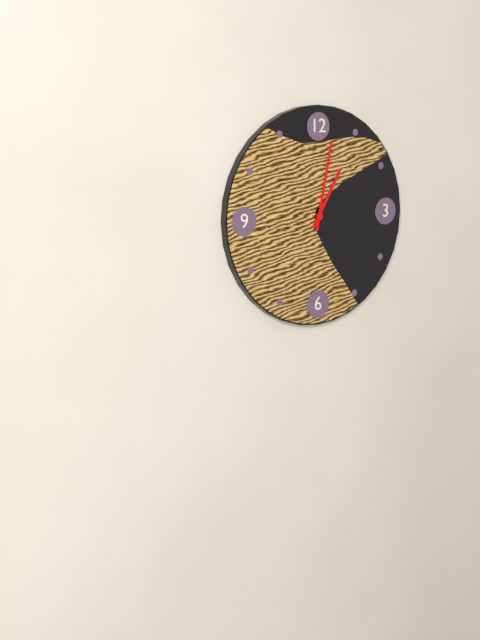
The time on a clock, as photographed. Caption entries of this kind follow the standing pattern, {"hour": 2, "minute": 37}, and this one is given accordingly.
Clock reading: {"hour": 1, "minute": 2}
